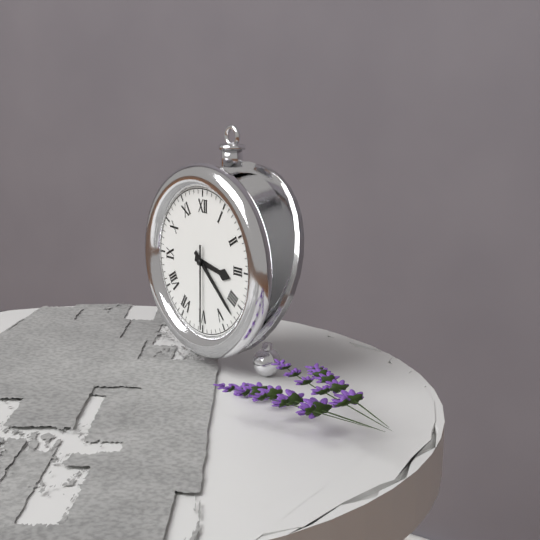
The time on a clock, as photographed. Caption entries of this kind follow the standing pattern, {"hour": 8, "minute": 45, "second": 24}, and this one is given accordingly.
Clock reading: {"hour": 3, "minute": 22, "second": 30}
